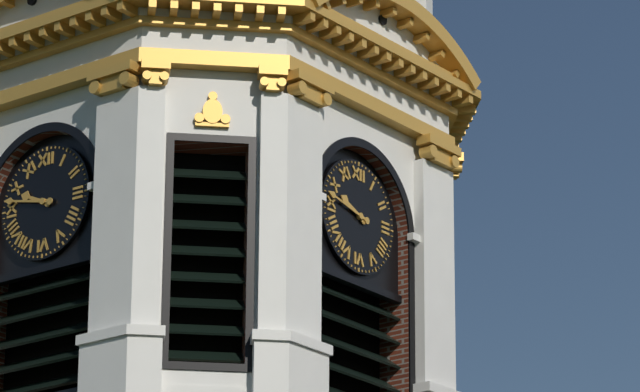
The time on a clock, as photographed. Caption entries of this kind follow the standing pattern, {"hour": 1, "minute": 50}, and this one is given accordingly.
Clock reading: {"hour": 9, "minute": 47}
